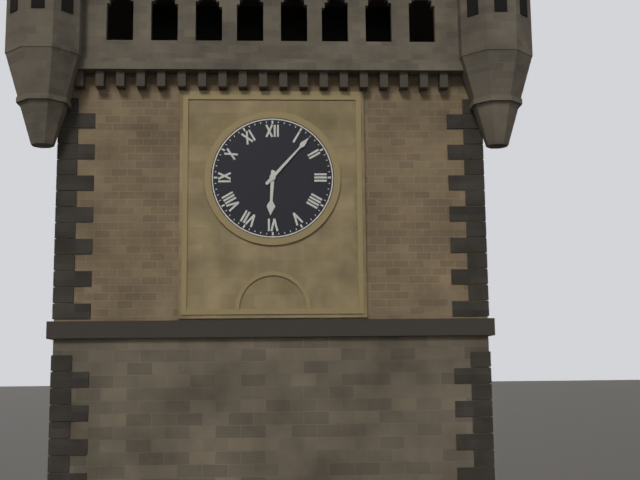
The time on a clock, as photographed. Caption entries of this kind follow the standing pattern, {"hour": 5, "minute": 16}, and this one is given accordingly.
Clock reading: {"hour": 6, "minute": 7}
